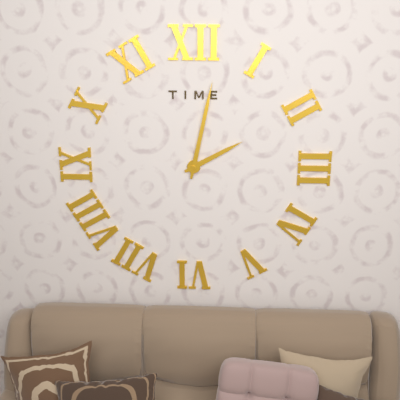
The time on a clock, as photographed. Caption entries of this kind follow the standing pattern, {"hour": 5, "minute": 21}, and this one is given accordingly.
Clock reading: {"hour": 2, "minute": 2}
